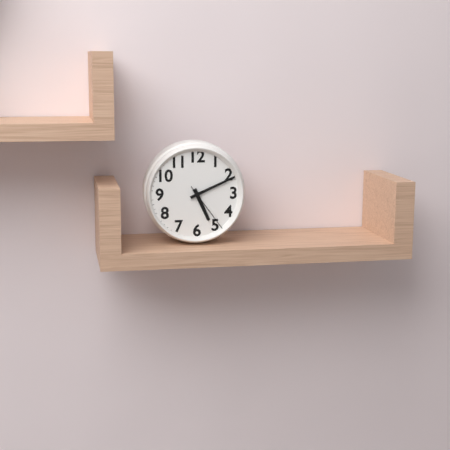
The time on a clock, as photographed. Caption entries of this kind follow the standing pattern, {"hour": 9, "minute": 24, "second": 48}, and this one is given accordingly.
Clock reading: {"hour": 5, "minute": 11, "second": 24}
